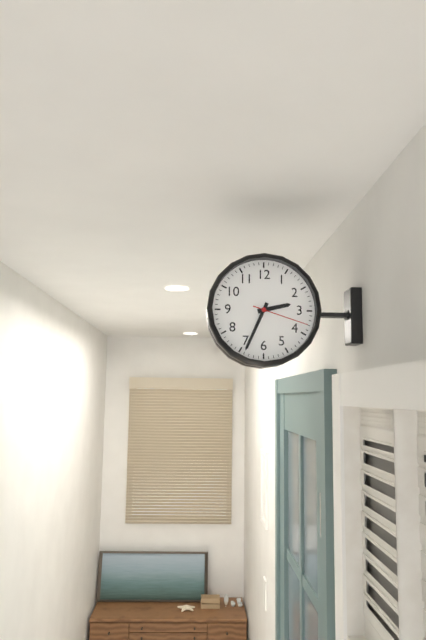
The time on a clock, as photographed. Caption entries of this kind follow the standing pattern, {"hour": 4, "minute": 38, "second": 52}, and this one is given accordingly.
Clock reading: {"hour": 2, "minute": 34, "second": 18}
